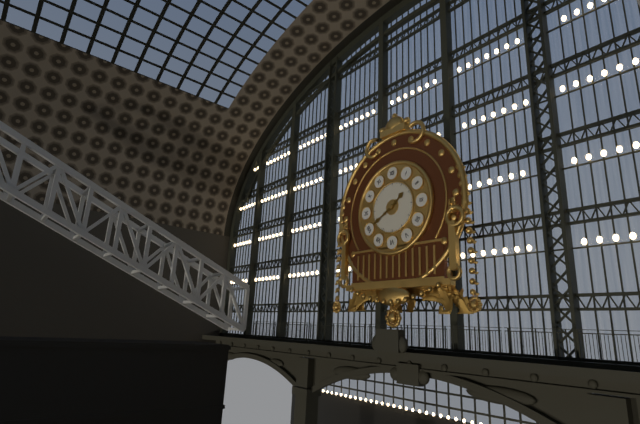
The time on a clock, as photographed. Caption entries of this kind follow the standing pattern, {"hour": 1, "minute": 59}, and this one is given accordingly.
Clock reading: {"hour": 1, "minute": 40}
